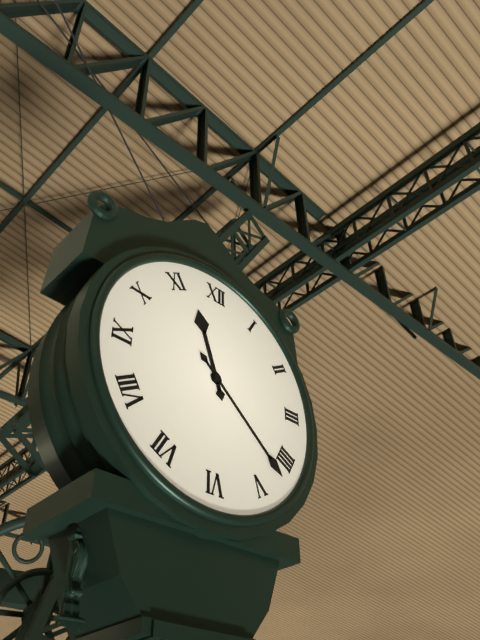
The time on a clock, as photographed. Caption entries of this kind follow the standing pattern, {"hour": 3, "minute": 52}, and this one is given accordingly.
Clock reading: {"hour": 11, "minute": 22}
